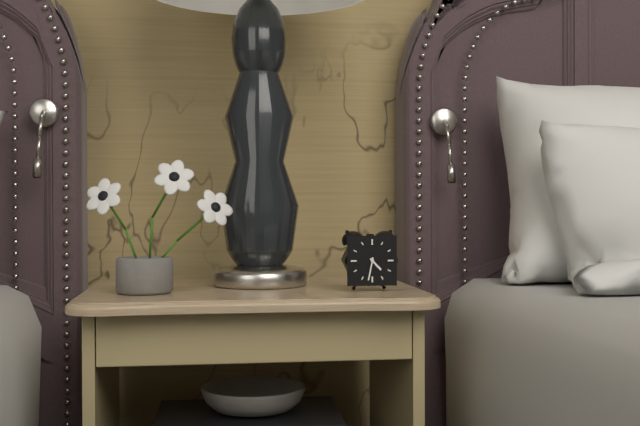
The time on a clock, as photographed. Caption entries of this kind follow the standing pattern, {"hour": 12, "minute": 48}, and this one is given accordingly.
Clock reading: {"hour": 4, "minute": 32}
